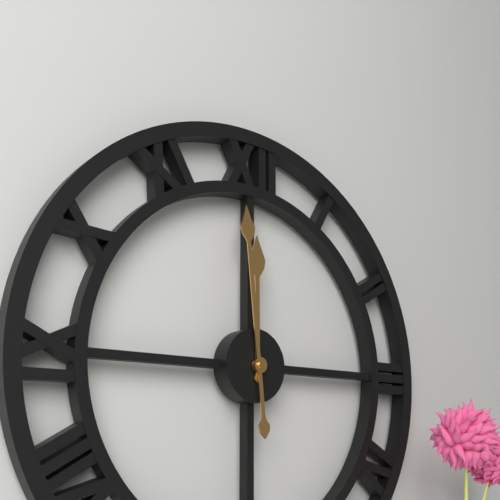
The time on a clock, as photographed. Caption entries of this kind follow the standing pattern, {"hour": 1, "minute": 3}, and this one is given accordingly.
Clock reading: {"hour": 11, "minute": 59}
